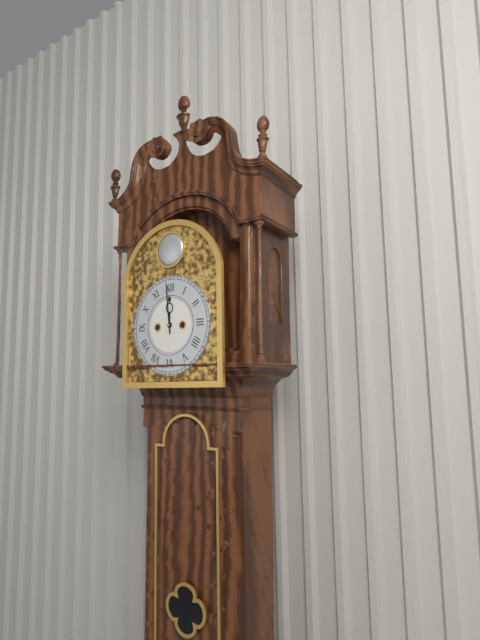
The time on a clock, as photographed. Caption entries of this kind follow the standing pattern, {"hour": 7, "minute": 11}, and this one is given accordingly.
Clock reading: {"hour": 11, "minute": 59}
